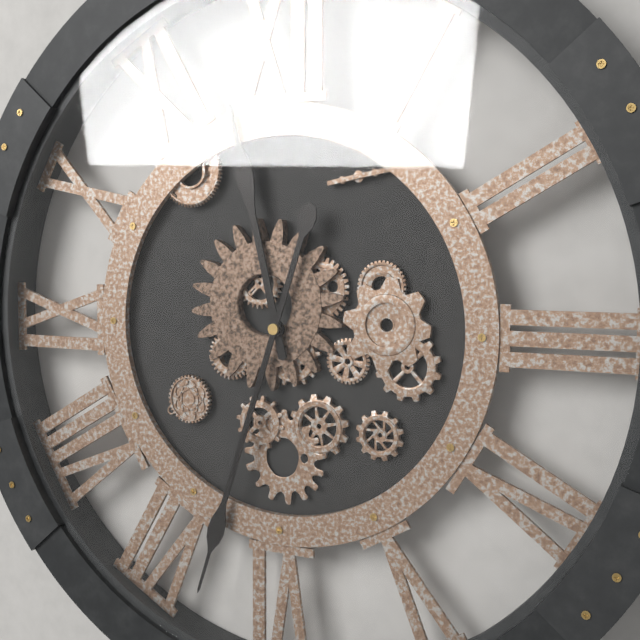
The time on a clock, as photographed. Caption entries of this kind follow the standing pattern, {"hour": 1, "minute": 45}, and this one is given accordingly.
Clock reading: {"hour": 11, "minute": 33}
